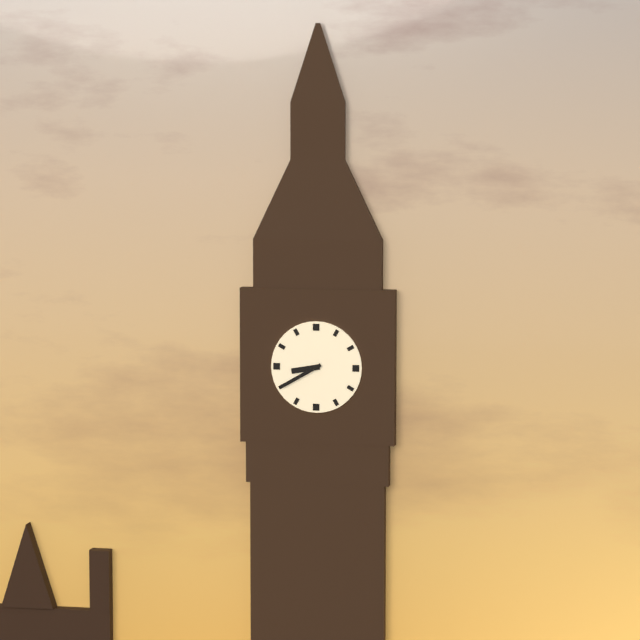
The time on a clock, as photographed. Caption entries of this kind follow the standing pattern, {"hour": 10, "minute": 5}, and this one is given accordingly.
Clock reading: {"hour": 8, "minute": 40}
